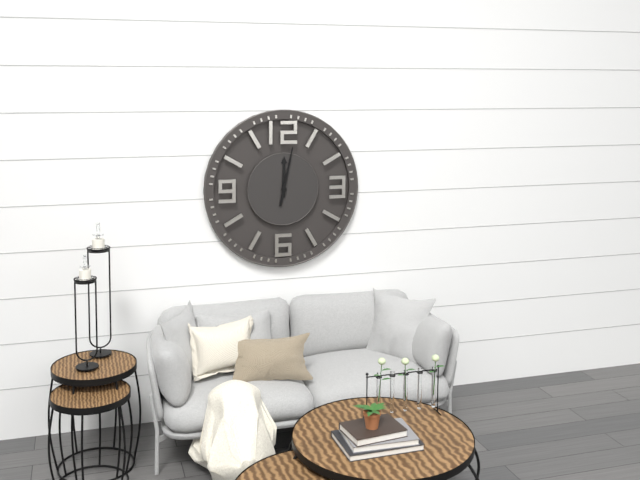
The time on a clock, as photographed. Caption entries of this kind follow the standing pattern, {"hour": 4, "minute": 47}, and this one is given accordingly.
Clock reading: {"hour": 12, "minute": 2}
